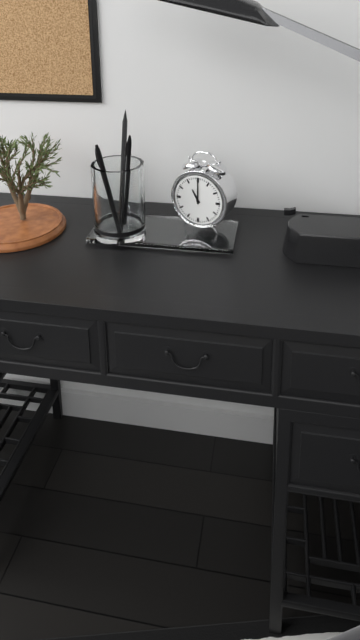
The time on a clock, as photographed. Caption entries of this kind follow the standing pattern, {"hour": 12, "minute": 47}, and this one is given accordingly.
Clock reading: {"hour": 11, "minute": 0}
